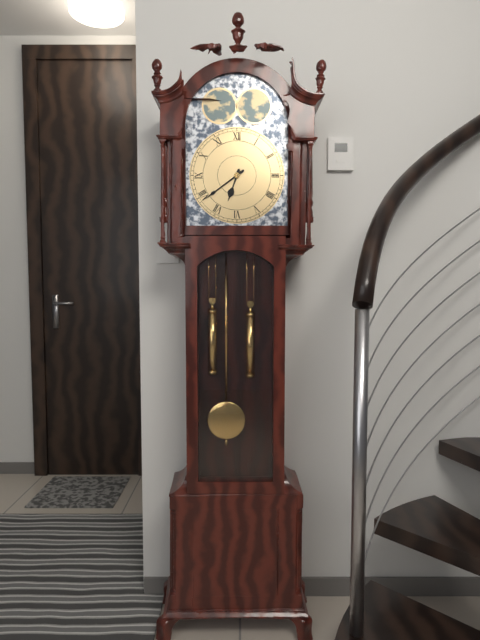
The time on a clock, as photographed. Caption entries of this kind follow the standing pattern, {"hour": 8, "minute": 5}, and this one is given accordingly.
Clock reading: {"hour": 6, "minute": 39}
